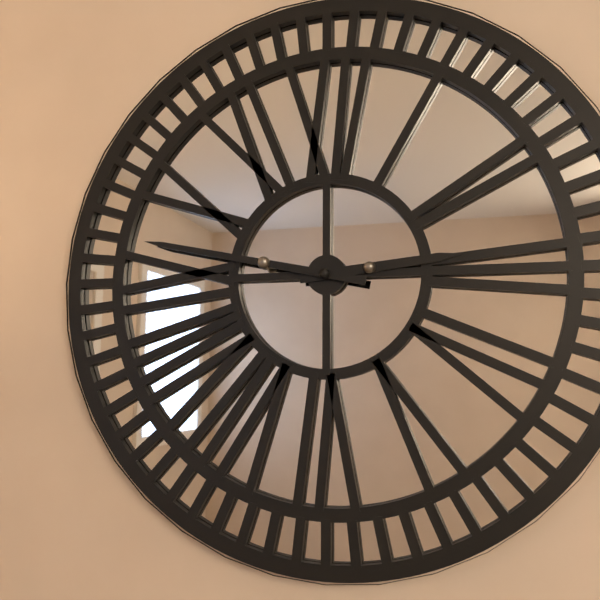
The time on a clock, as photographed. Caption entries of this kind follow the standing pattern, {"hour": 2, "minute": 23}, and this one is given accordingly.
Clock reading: {"hour": 2, "minute": 47}
